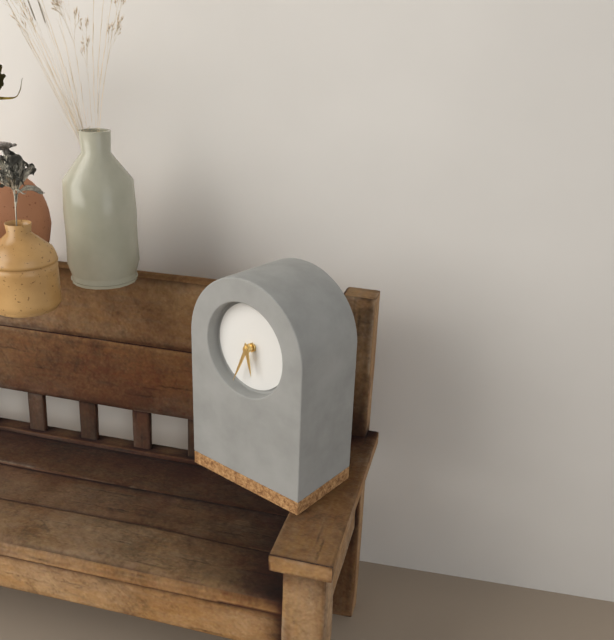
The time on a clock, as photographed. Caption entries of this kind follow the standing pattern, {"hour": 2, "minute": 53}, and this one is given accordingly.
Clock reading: {"hour": 5, "minute": 34}
